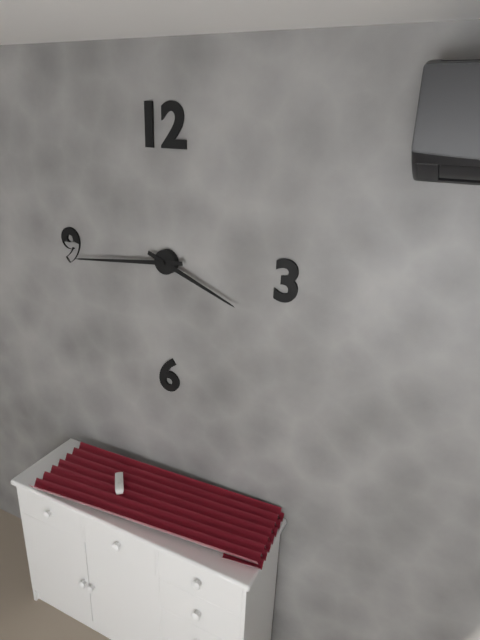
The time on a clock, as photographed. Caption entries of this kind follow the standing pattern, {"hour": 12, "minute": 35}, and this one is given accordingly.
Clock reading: {"hour": 3, "minute": 44}
